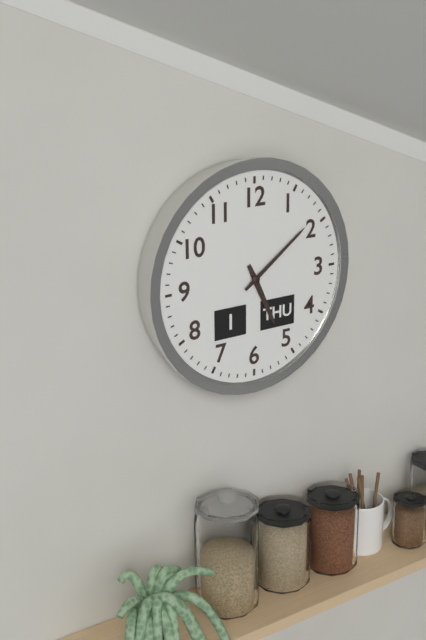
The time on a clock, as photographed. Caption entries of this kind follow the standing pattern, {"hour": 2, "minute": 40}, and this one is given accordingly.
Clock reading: {"hour": 5, "minute": 9}
